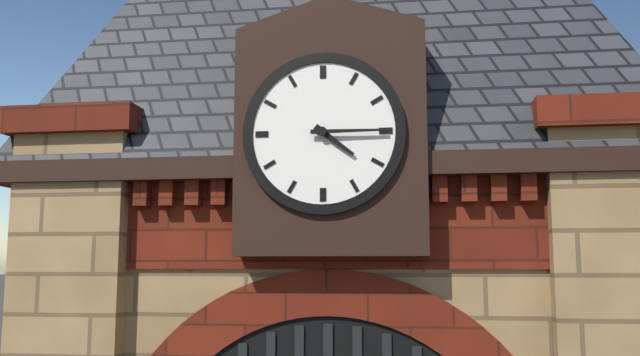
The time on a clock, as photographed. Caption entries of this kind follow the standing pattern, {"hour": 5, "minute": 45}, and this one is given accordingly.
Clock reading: {"hour": 4, "minute": 15}
